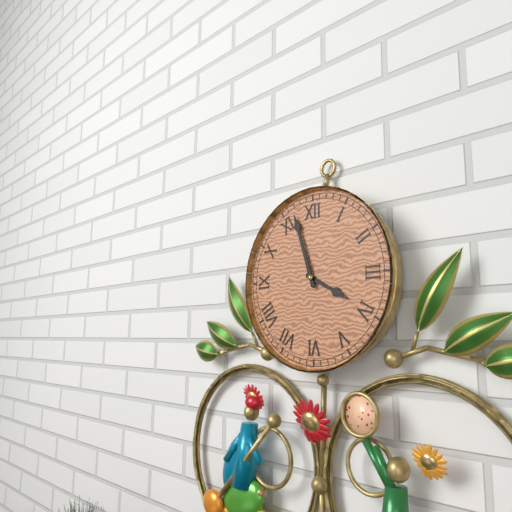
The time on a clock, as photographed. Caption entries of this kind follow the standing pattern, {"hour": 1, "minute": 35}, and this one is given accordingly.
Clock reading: {"hour": 3, "minute": 57}
